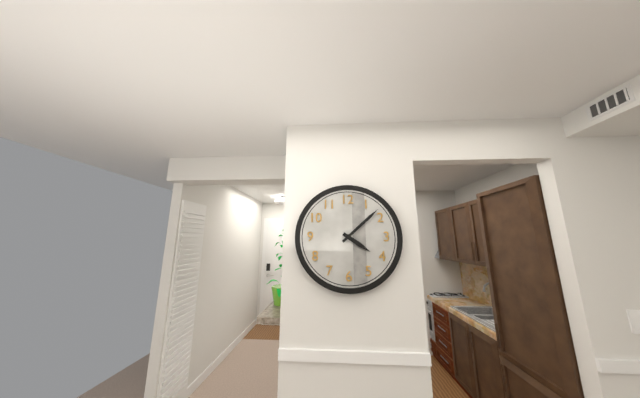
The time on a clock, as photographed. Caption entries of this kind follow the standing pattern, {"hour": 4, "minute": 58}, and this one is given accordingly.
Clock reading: {"hour": 4, "minute": 8}
